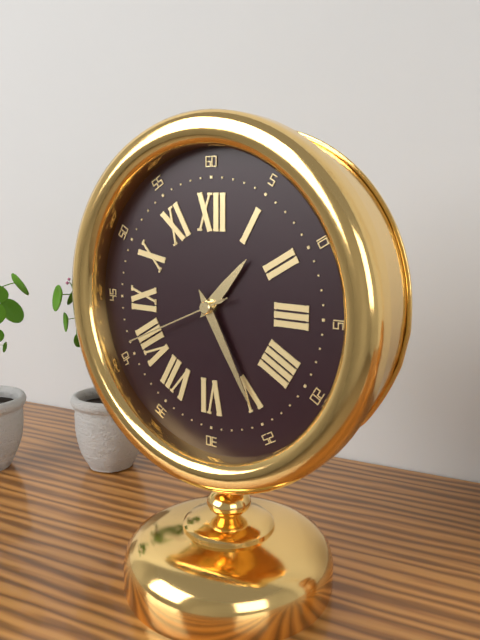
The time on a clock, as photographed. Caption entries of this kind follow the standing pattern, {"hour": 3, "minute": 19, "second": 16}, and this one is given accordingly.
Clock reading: {"hour": 1, "minute": 25, "second": 41}
